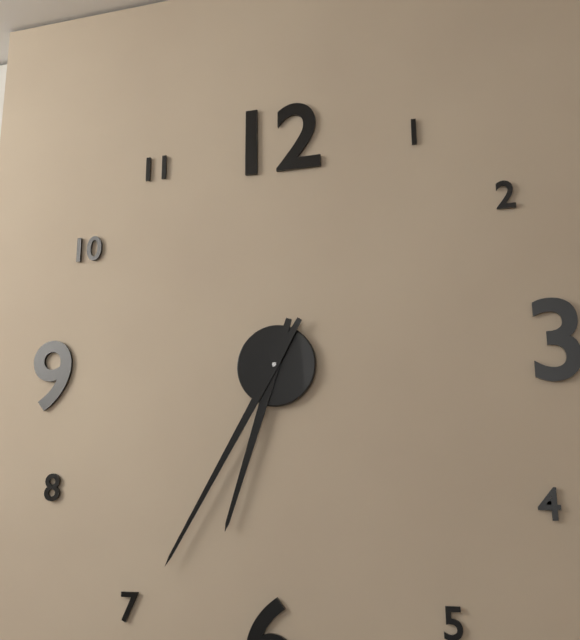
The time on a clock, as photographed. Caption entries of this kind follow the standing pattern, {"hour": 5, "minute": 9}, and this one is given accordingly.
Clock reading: {"hour": 6, "minute": 35}
